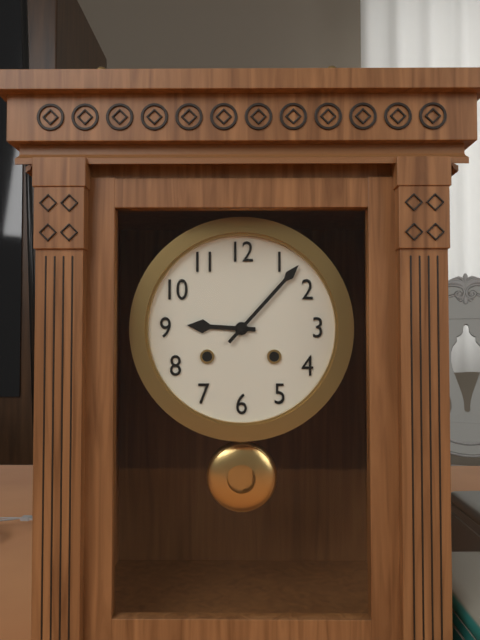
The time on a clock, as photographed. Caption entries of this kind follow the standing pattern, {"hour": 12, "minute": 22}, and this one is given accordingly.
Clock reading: {"hour": 9, "minute": 7}
